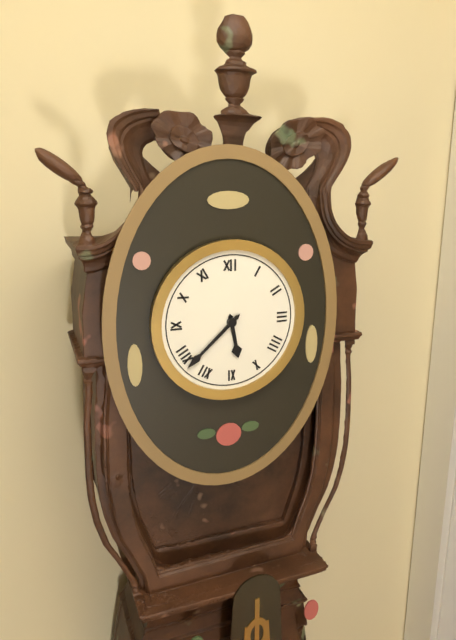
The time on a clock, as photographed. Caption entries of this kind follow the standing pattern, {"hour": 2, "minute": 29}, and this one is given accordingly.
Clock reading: {"hour": 5, "minute": 38}
